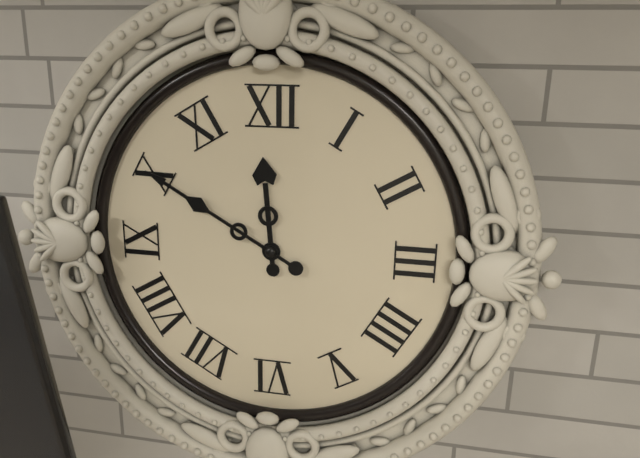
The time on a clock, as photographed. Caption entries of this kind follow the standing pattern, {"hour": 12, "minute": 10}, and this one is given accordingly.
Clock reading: {"hour": 11, "minute": 50}
